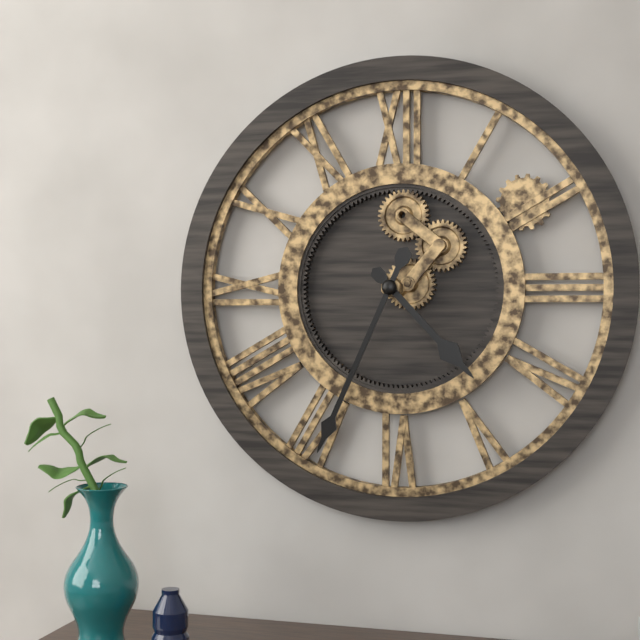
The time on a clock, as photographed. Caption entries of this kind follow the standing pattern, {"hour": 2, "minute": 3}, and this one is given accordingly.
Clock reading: {"hour": 4, "minute": 34}
